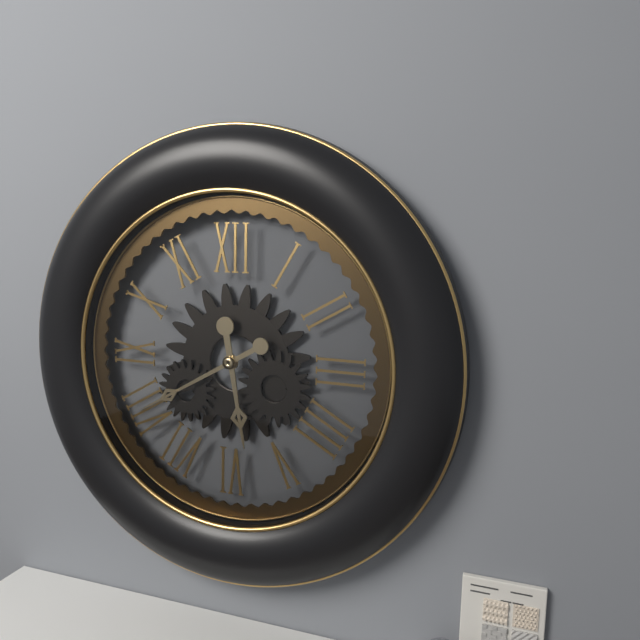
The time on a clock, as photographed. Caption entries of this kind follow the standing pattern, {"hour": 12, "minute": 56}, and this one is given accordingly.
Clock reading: {"hour": 5, "minute": 40}
